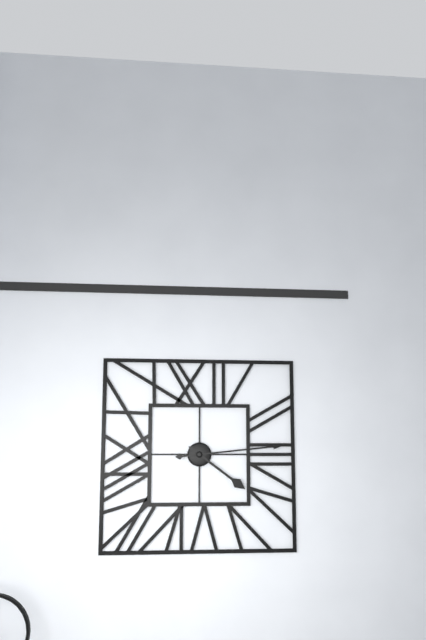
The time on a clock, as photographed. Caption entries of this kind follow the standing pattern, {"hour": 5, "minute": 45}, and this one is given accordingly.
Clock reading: {"hour": 4, "minute": 14}
